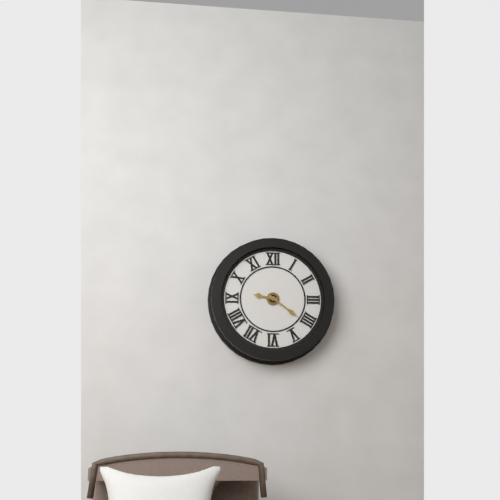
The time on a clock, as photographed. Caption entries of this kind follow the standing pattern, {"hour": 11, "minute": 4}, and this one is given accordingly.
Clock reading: {"hour": 9, "minute": 21}
